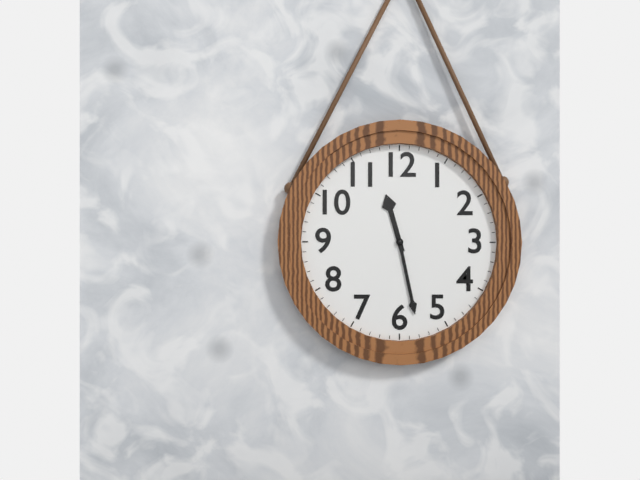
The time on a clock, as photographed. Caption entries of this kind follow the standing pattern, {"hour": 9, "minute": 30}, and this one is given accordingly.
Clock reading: {"hour": 11, "minute": 28}
